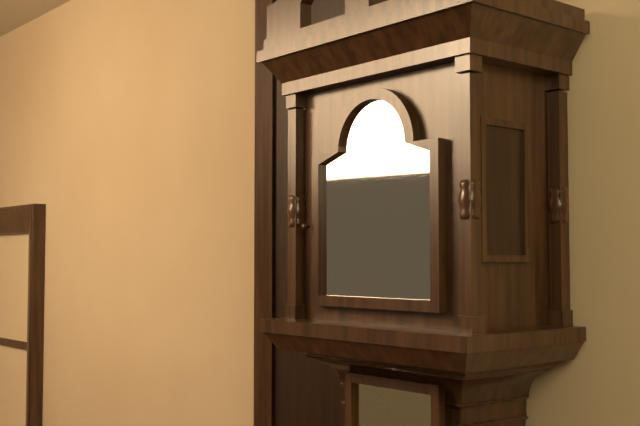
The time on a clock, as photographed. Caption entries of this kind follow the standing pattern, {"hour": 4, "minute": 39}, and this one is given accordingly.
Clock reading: {"hour": 2, "minute": 21}
